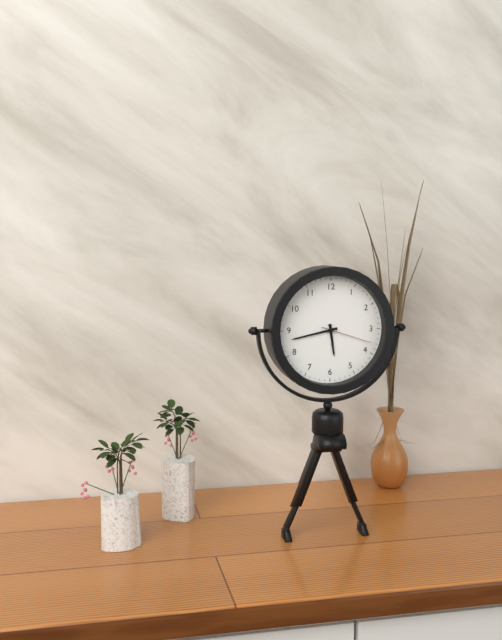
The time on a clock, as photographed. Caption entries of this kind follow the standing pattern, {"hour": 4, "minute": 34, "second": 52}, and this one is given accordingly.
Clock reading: {"hour": 5, "minute": 43, "second": 18}
